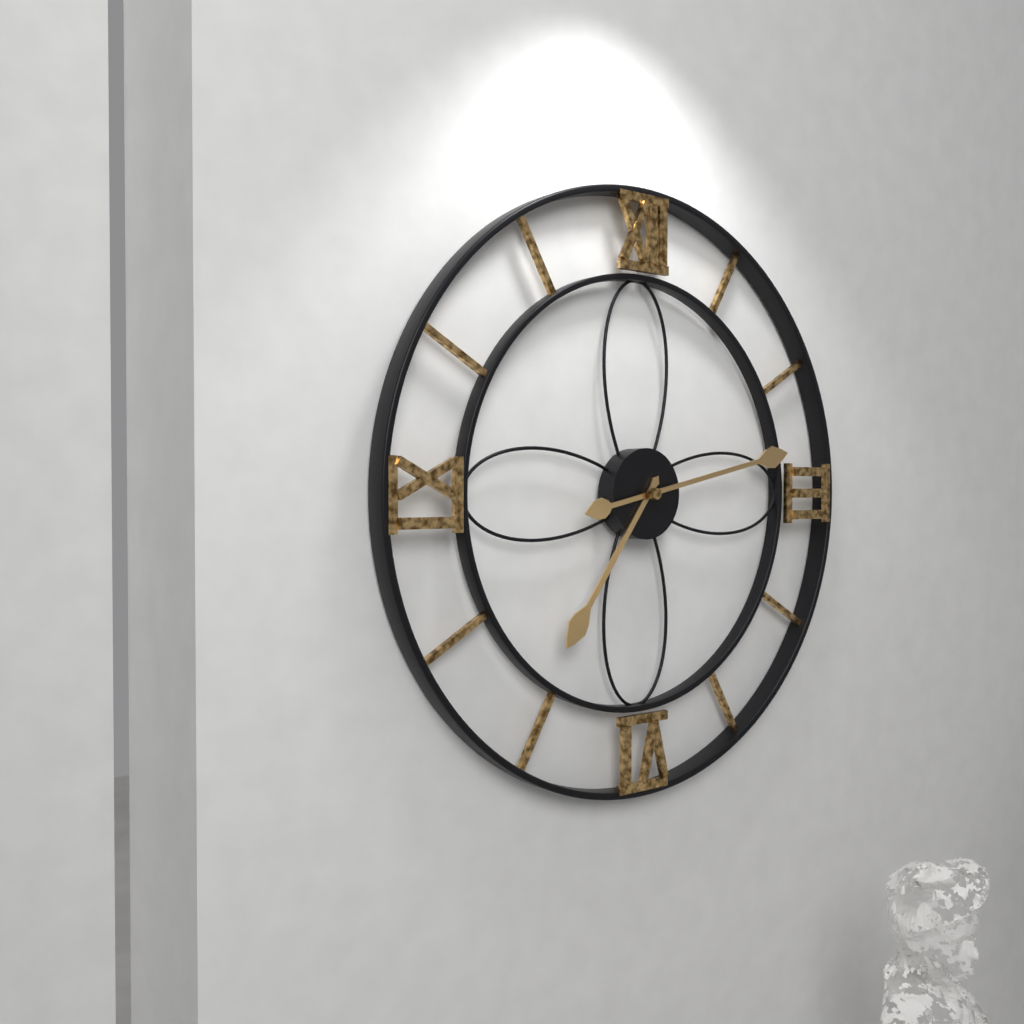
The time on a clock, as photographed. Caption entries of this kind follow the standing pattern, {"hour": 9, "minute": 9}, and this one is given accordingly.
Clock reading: {"hour": 7, "minute": 13}
